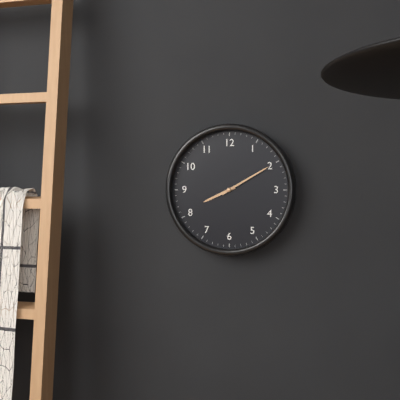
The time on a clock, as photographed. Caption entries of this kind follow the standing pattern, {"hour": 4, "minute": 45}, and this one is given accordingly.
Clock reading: {"hour": 8, "minute": 10}
